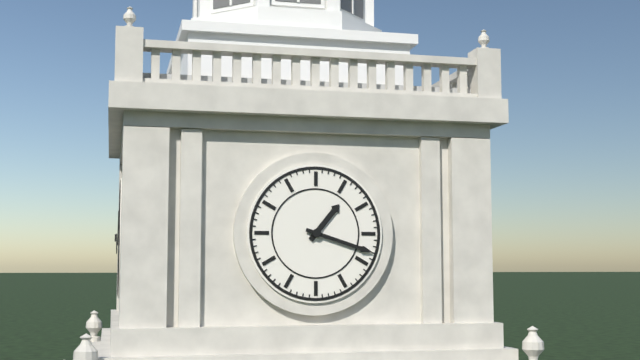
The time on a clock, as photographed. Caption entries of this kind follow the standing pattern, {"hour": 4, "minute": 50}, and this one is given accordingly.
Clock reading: {"hour": 1, "minute": 18}
